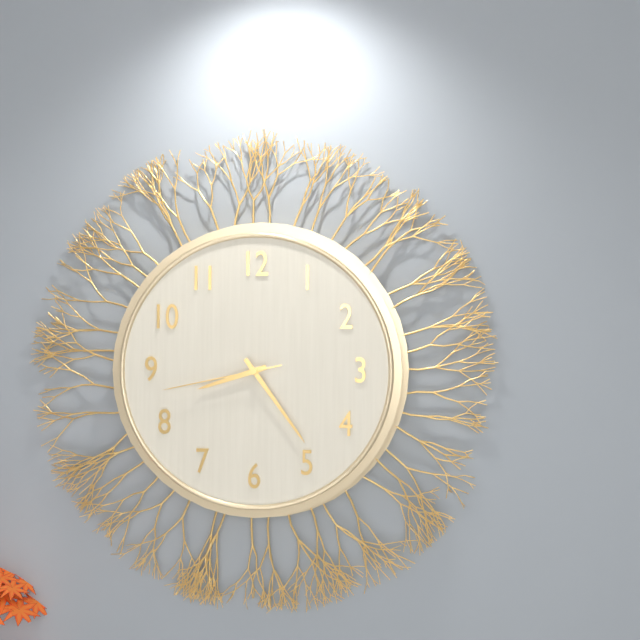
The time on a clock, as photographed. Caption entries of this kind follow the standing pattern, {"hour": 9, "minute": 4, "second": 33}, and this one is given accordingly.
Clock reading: {"hour": 8, "minute": 24, "second": 43}
